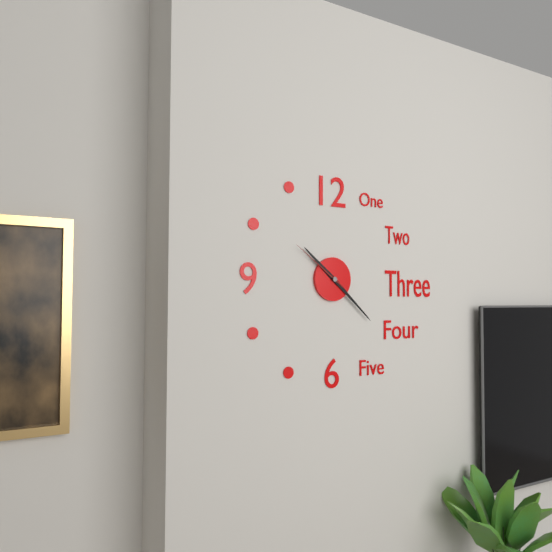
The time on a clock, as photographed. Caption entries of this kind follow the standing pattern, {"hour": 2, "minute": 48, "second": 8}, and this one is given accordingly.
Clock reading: {"hour": 10, "minute": 22, "second": 51}
